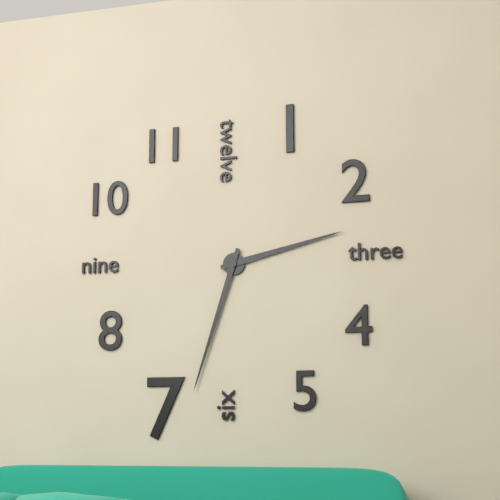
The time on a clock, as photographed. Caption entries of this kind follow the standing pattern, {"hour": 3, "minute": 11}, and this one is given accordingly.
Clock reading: {"hour": 2, "minute": 33}
